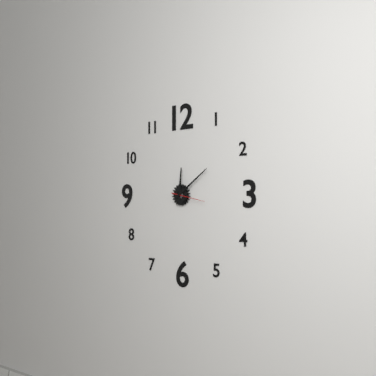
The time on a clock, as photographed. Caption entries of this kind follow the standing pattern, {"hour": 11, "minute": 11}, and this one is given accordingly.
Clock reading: {"hour": 12, "minute": 9}
